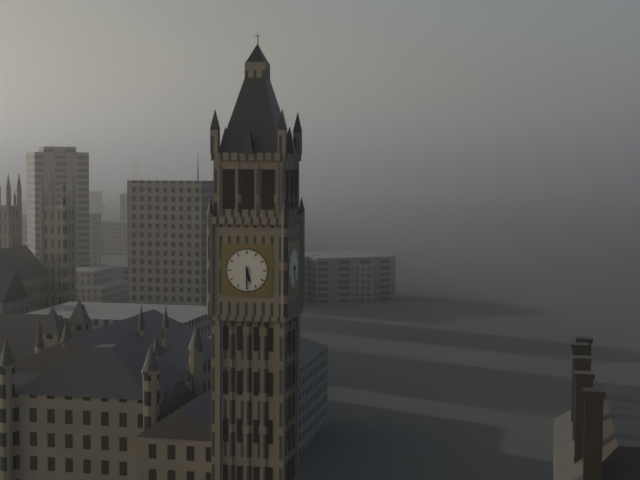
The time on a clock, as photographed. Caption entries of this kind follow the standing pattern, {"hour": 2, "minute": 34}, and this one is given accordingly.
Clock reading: {"hour": 5, "minute": 30}
